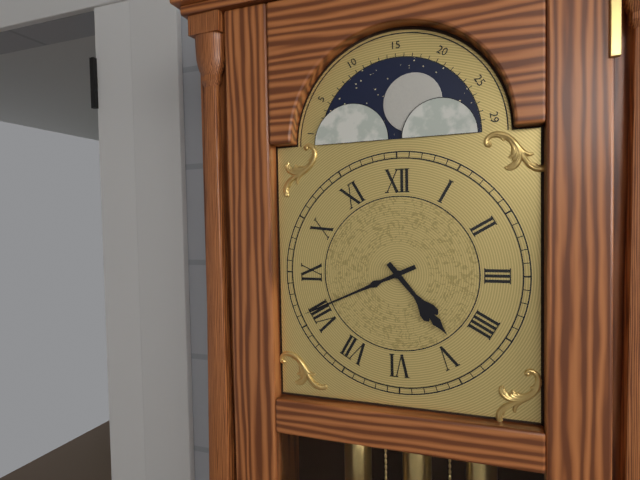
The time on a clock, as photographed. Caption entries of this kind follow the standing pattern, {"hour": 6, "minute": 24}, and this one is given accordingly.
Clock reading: {"hour": 4, "minute": 41}
